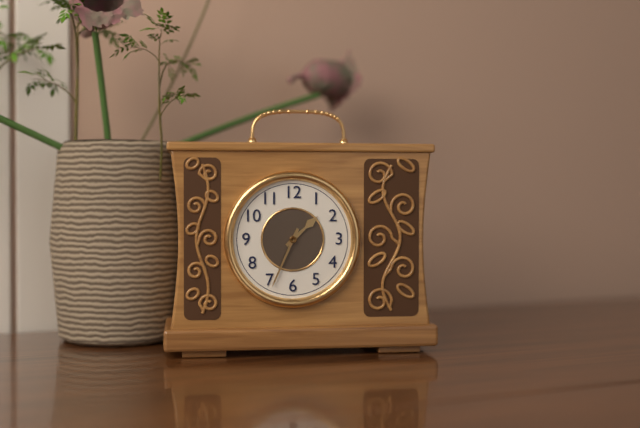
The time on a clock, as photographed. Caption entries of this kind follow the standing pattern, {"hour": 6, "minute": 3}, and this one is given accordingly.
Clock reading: {"hour": 1, "minute": 34}
